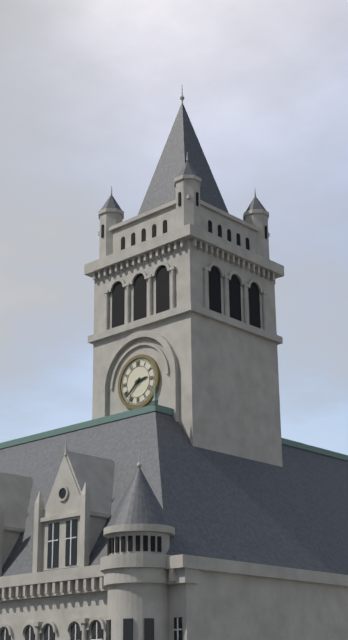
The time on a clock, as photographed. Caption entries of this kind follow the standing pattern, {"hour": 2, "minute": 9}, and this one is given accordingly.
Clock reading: {"hour": 2, "minute": 38}
